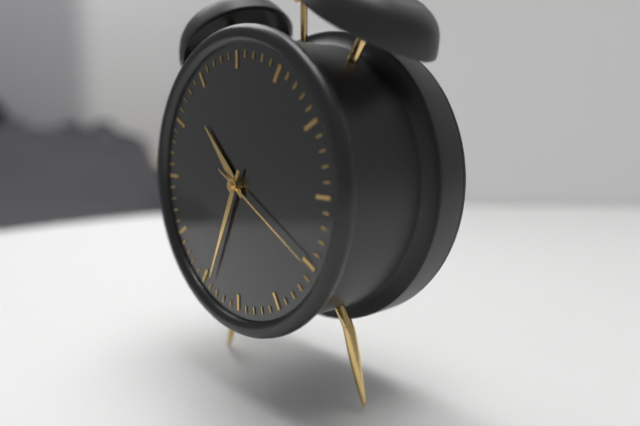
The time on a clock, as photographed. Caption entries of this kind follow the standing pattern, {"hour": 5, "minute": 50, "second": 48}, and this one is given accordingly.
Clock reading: {"hour": 10, "minute": 34, "second": 20}
